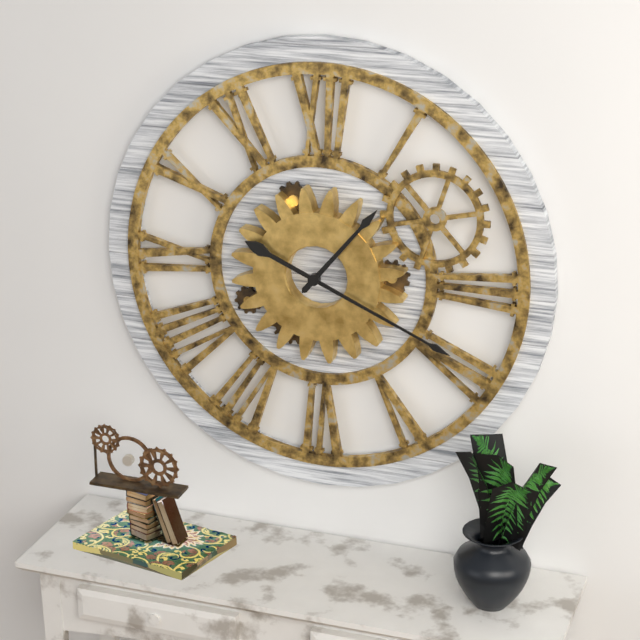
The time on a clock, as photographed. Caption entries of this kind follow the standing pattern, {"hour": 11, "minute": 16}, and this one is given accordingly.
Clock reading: {"hour": 1, "minute": 19}
